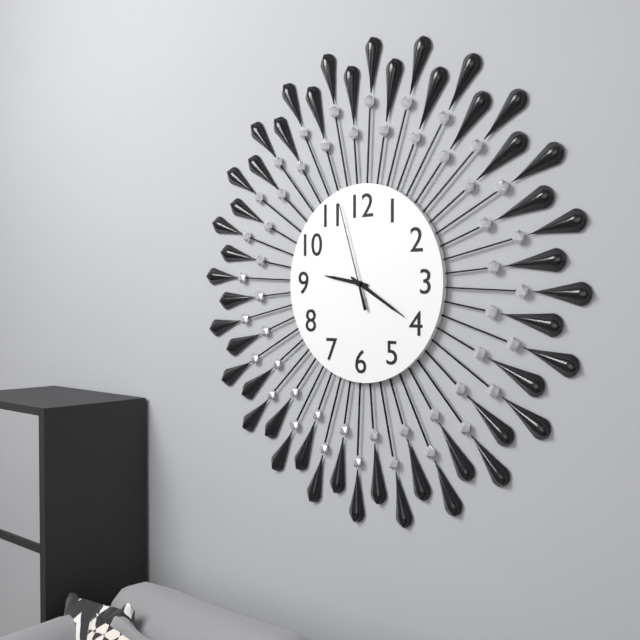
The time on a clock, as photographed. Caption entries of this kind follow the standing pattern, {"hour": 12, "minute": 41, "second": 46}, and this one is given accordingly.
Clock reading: {"hour": 9, "minute": 20, "second": 57}
